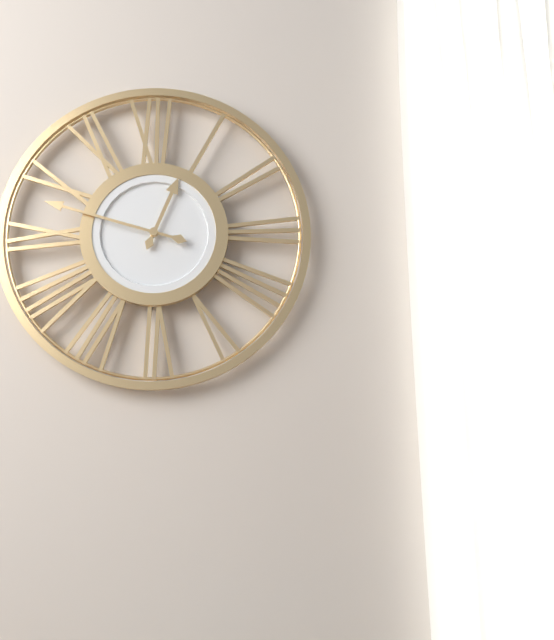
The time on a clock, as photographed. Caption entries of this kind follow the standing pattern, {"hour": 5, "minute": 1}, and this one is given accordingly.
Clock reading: {"hour": 12, "minute": 48}
